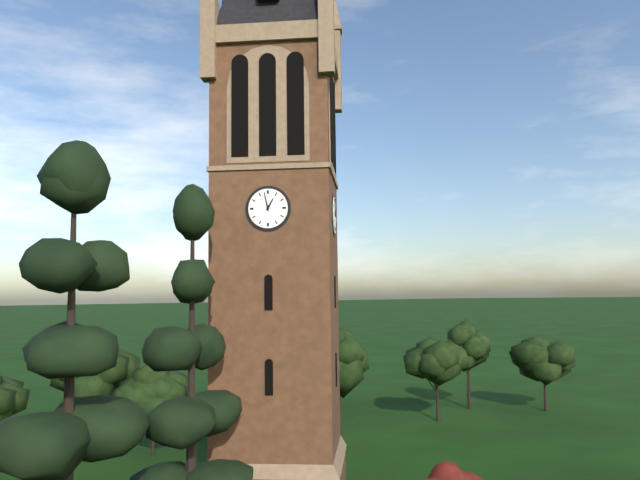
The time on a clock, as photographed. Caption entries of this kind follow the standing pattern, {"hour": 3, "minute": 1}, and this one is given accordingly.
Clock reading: {"hour": 12, "minute": 58}
